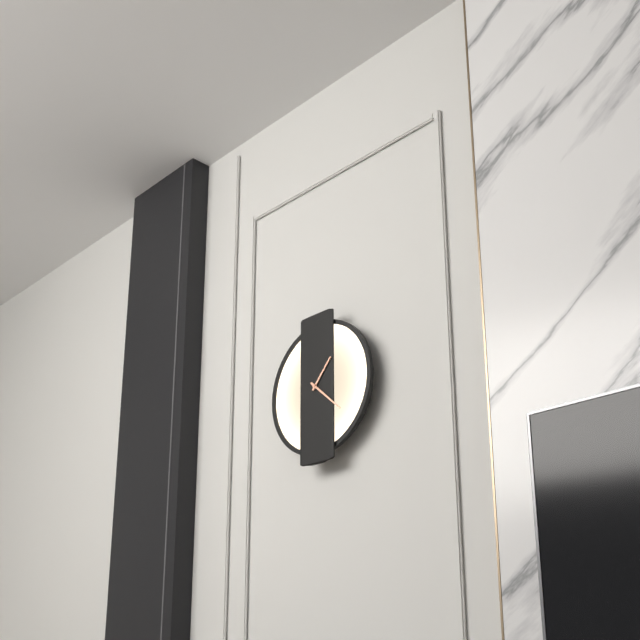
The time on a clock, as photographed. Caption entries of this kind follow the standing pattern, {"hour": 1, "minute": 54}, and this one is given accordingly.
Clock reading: {"hour": 1, "minute": 22}
